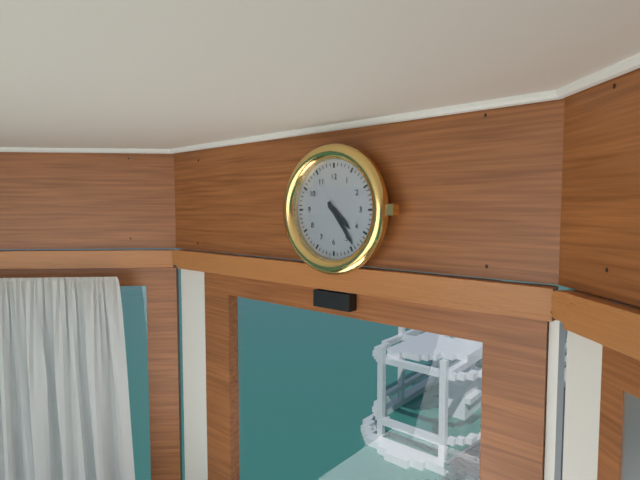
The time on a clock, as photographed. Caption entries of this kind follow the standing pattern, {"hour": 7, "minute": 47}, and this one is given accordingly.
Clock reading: {"hour": 4, "minute": 24}
